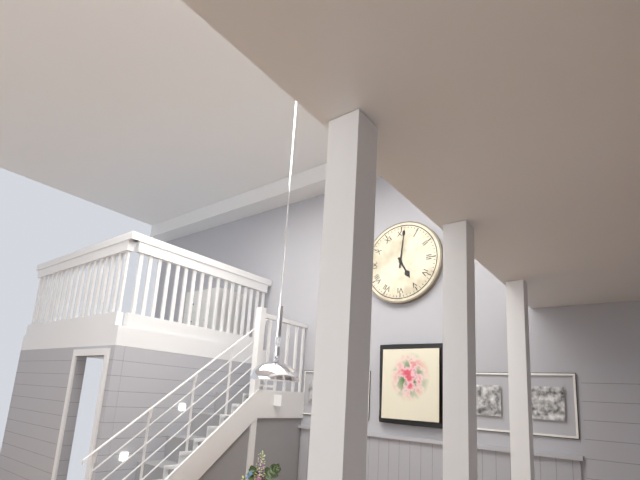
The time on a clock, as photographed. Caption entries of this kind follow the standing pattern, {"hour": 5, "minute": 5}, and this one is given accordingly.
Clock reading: {"hour": 5, "minute": 1}
